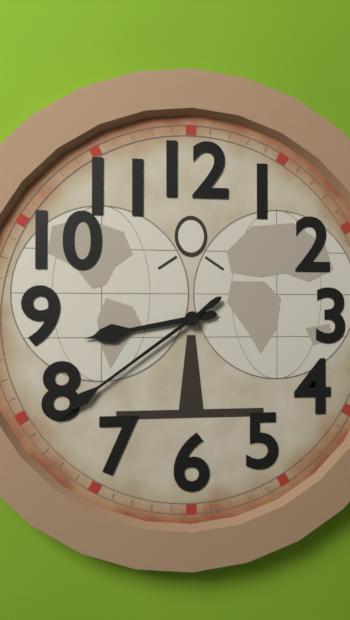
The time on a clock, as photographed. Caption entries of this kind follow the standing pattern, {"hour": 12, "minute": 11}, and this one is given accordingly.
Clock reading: {"hour": 8, "minute": 39}
